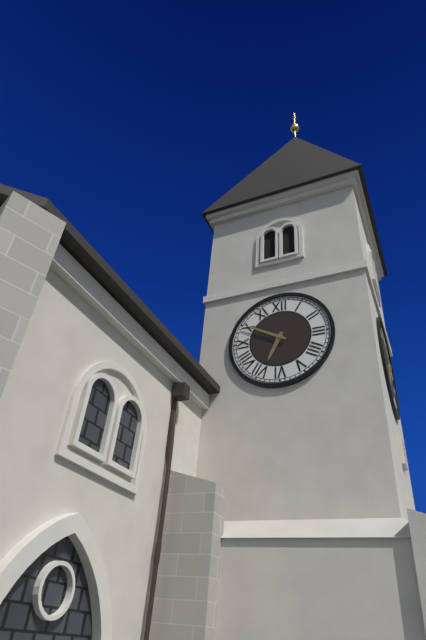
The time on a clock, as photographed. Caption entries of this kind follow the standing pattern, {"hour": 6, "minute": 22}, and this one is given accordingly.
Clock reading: {"hour": 6, "minute": 50}
